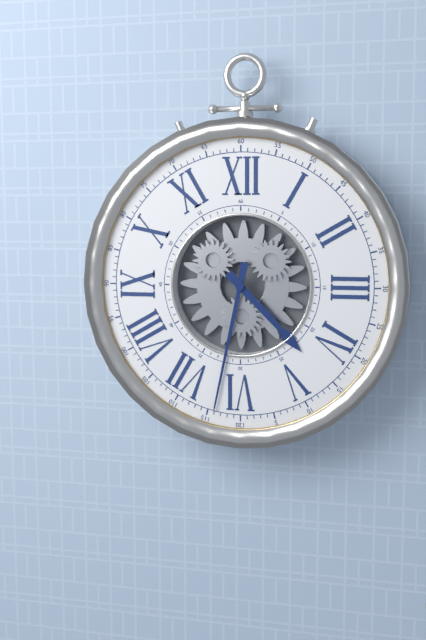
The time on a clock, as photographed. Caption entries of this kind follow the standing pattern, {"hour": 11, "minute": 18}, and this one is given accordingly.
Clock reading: {"hour": 4, "minute": 32}
